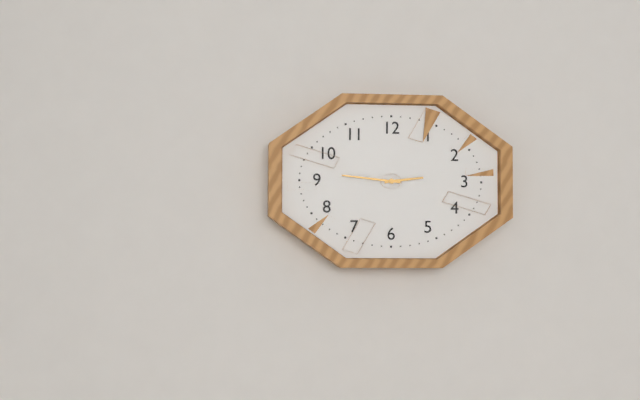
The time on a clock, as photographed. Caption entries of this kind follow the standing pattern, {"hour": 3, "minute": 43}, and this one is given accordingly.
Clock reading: {"hour": 2, "minute": 46}
